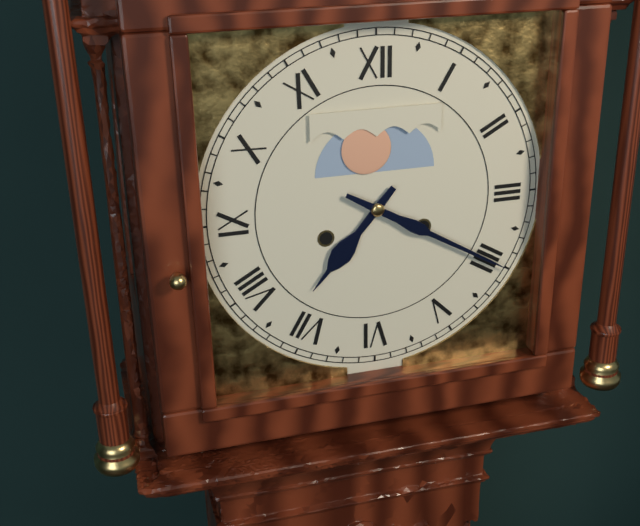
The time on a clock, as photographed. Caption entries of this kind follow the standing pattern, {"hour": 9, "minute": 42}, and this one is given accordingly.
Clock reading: {"hour": 7, "minute": 20}
